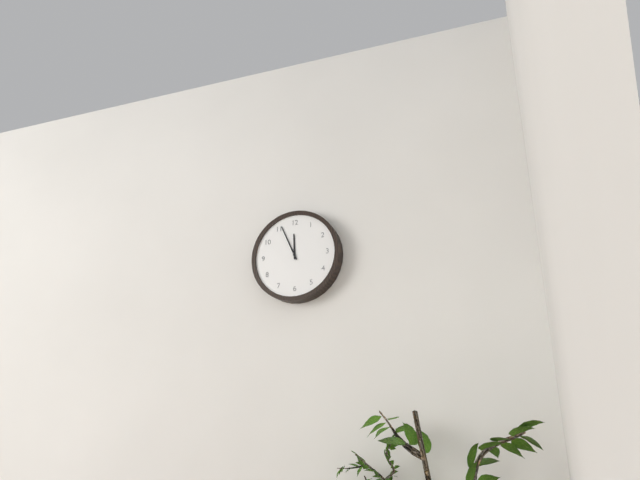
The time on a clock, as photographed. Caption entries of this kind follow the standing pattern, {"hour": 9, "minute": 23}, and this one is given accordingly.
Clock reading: {"hour": 11, "minute": 56}
